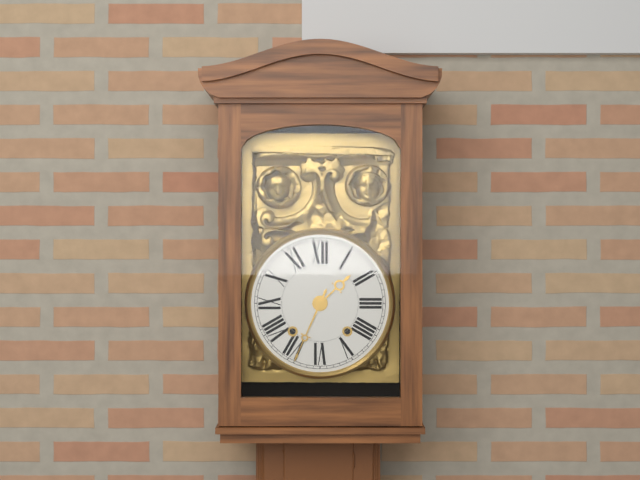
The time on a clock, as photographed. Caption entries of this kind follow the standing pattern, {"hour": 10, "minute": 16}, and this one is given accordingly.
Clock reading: {"hour": 1, "minute": 34}
